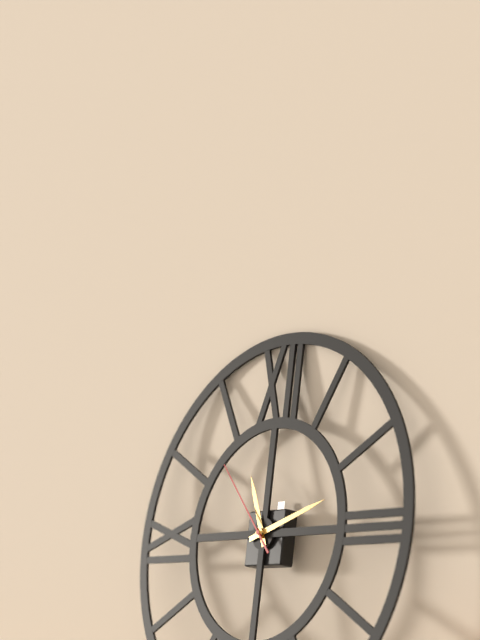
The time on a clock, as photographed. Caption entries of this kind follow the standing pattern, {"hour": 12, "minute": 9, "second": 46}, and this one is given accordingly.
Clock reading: {"hour": 11, "minute": 12, "second": 53}
